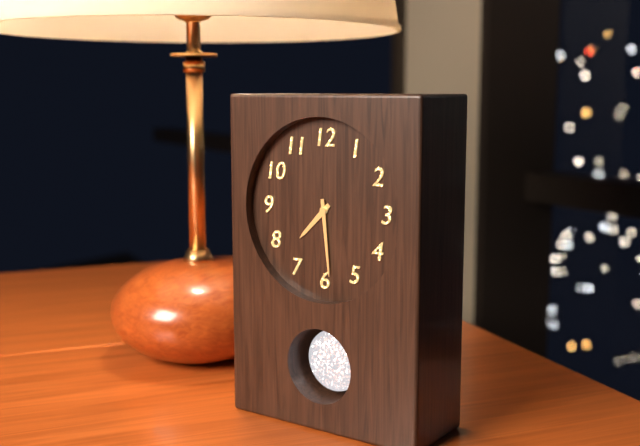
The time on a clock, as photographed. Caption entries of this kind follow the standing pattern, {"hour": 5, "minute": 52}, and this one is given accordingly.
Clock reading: {"hour": 7, "minute": 29}
